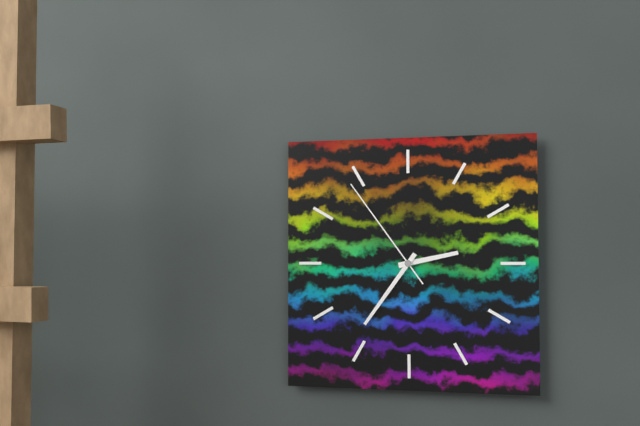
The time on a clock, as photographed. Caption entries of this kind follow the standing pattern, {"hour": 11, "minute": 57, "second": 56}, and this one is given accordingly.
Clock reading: {"hour": 2, "minute": 36, "second": 54}
